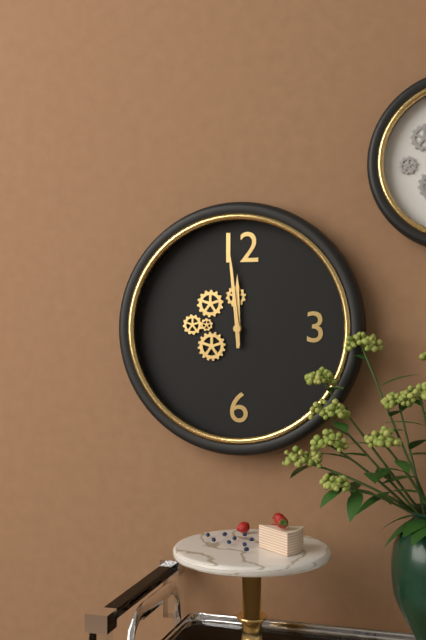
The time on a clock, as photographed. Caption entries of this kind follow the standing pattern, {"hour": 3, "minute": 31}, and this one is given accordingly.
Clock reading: {"hour": 11, "minute": 59}
